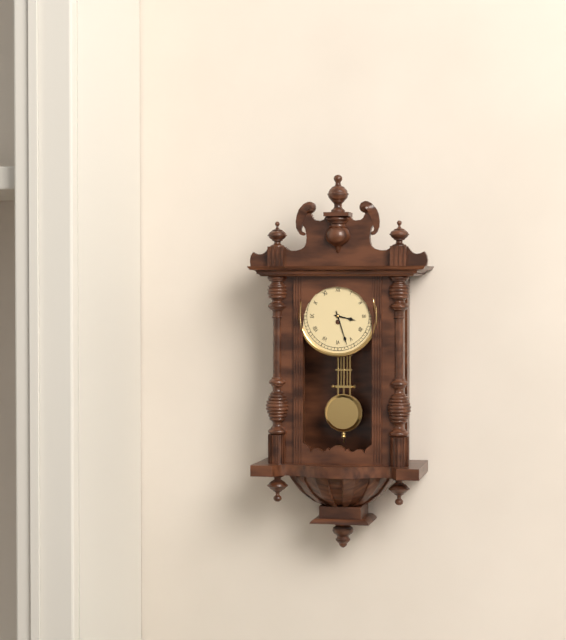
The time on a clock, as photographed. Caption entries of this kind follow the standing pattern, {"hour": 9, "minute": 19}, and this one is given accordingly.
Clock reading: {"hour": 3, "minute": 27}
